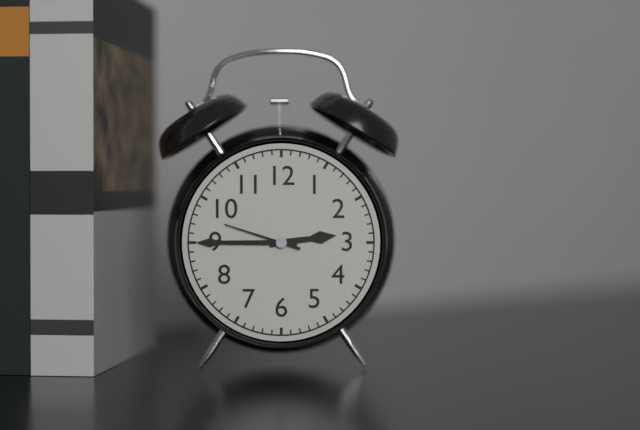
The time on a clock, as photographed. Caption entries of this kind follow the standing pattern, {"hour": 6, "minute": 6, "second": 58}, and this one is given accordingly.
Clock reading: {"hour": 2, "minute": 45, "second": 48}
